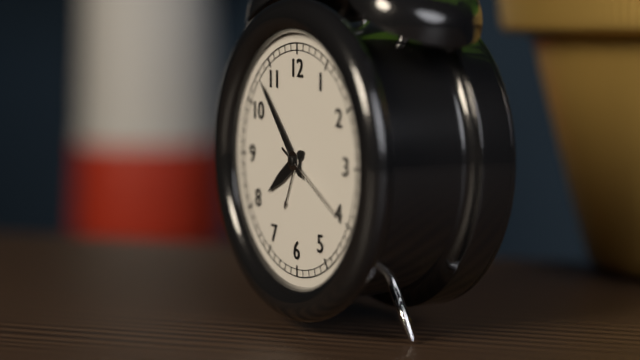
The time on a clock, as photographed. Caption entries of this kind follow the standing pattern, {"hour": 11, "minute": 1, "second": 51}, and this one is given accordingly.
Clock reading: {"hour": 7, "minute": 53, "second": 20}
